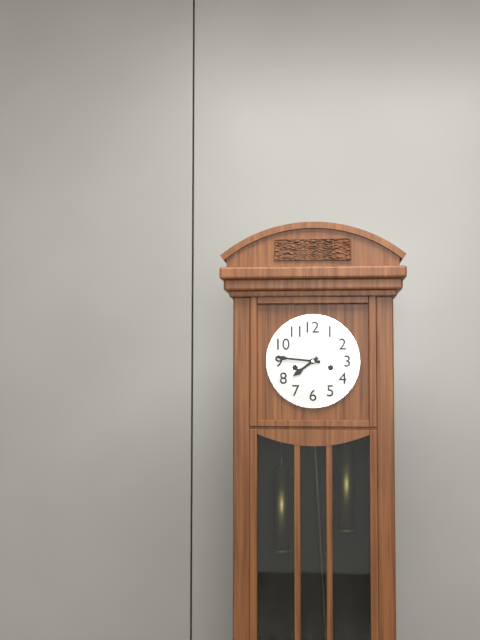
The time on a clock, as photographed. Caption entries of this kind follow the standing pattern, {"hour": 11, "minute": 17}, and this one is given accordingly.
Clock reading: {"hour": 7, "minute": 46}
